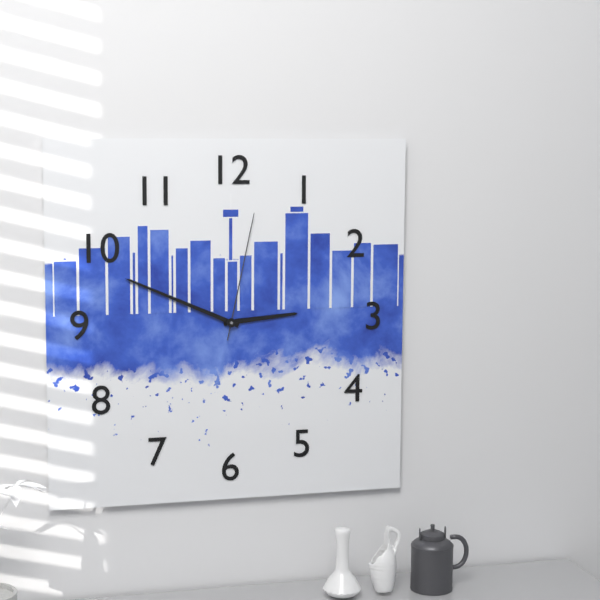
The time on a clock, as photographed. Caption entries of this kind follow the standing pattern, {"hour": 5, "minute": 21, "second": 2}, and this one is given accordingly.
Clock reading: {"hour": 2, "minute": 49, "second": 2}
